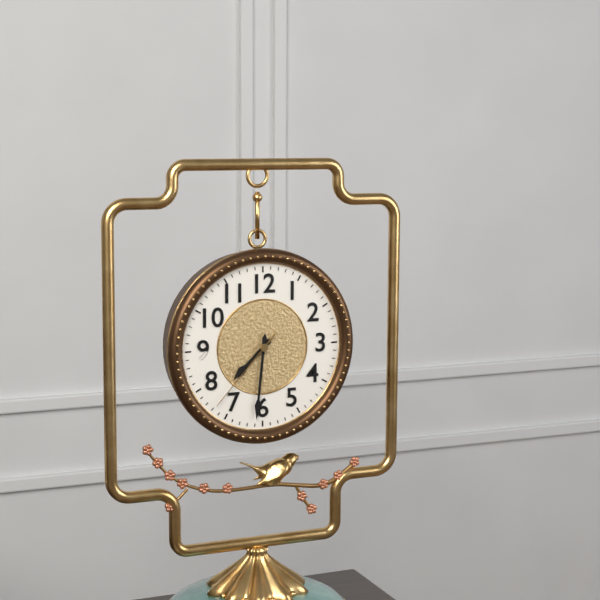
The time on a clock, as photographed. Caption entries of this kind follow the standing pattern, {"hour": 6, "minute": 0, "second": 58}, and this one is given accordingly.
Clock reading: {"hour": 7, "minute": 31, "second": 37}
